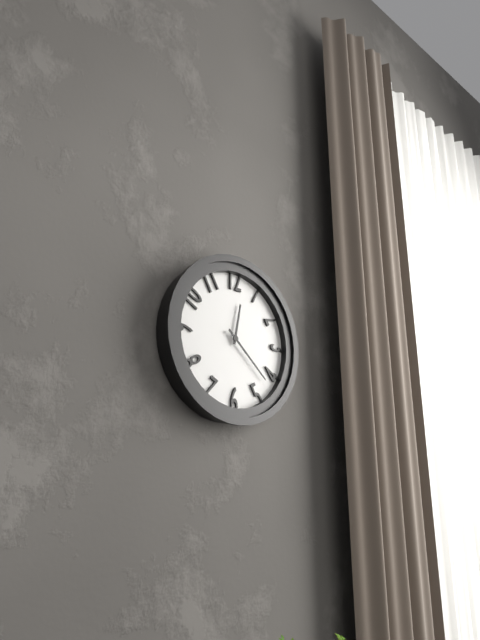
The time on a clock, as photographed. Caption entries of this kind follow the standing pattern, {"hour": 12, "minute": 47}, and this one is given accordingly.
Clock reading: {"hour": 12, "minute": 22}
